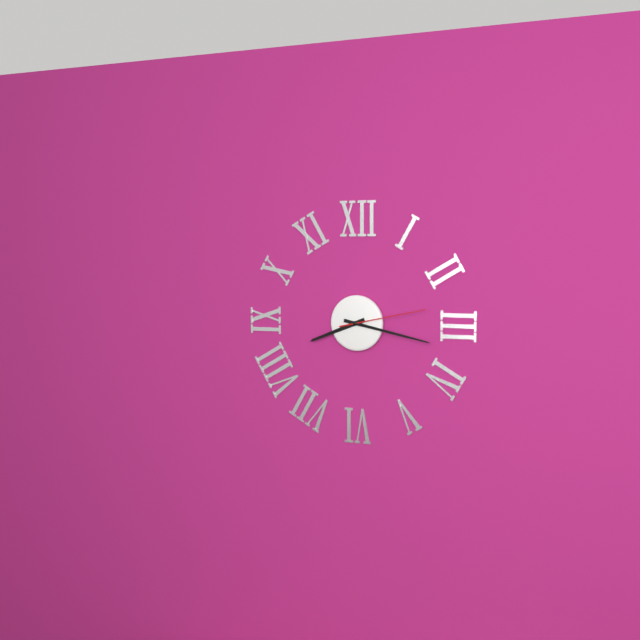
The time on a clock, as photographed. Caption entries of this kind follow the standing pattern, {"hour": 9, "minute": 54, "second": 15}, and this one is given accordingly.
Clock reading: {"hour": 8, "minute": 17, "second": 13}
